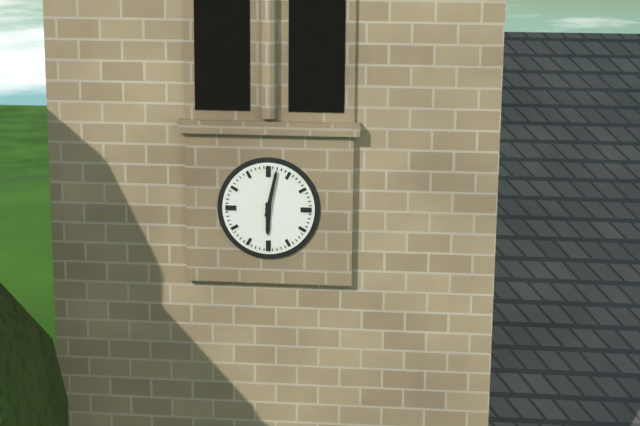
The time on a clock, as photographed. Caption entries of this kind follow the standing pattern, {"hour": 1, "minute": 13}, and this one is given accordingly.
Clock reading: {"hour": 6, "minute": 2}
